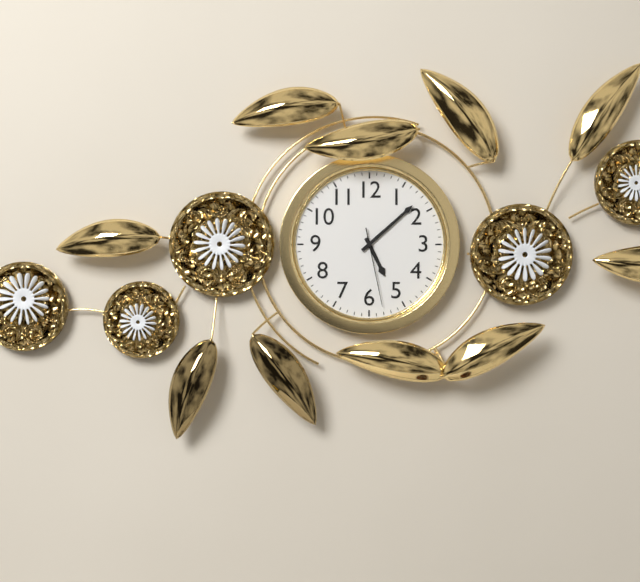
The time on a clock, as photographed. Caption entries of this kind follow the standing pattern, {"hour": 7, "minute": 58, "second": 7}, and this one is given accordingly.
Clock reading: {"hour": 5, "minute": 8, "second": 28}
